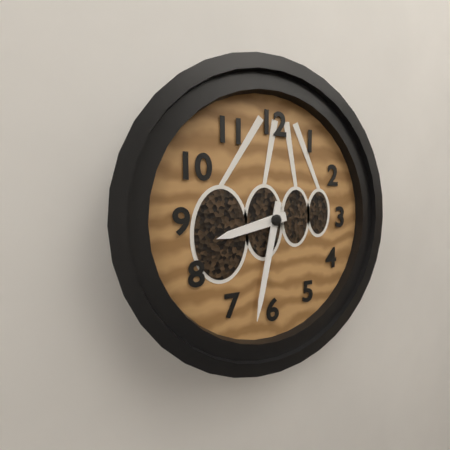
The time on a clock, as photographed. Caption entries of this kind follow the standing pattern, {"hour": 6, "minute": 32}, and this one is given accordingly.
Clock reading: {"hour": 8, "minute": 32}
